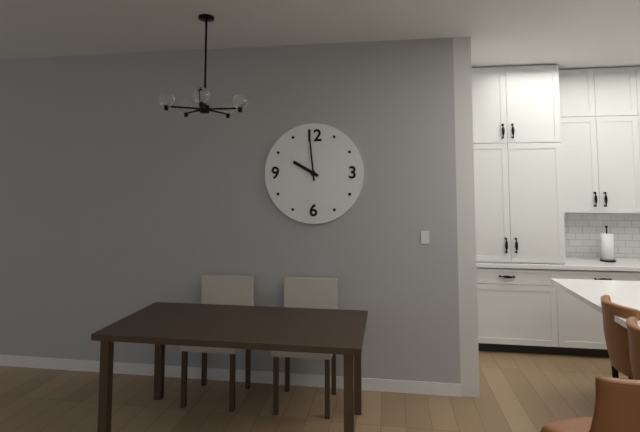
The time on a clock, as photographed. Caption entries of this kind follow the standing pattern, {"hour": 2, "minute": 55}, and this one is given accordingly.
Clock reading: {"hour": 9, "minute": 59}
